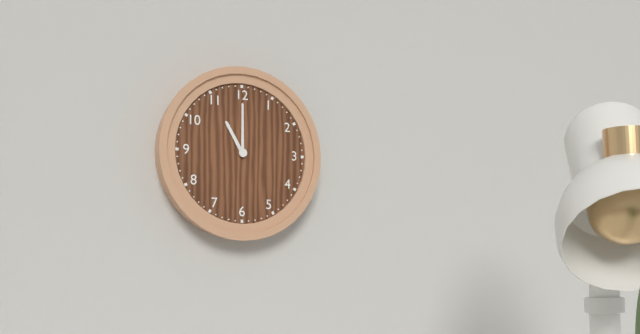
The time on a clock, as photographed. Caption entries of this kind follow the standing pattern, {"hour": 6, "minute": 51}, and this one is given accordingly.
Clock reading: {"hour": 11, "minute": 0}
